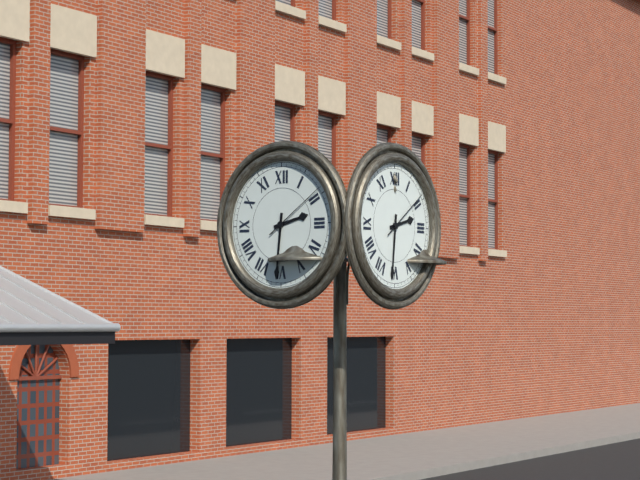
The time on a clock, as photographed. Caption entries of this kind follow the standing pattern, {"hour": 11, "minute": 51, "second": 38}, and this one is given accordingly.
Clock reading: {"hour": 2, "minute": 31, "second": 9}
